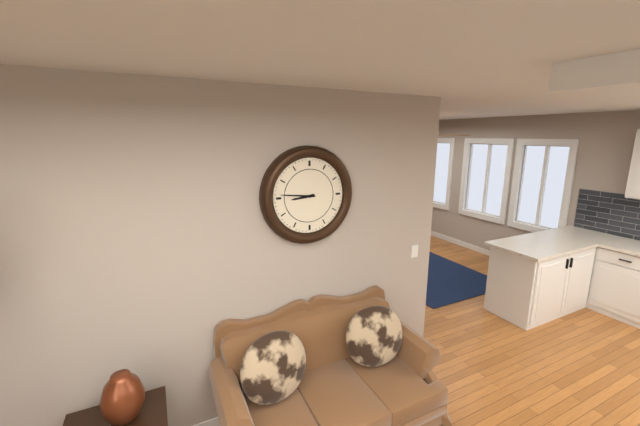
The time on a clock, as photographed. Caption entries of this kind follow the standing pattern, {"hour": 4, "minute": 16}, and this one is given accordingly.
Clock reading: {"hour": 8, "minute": 46}
